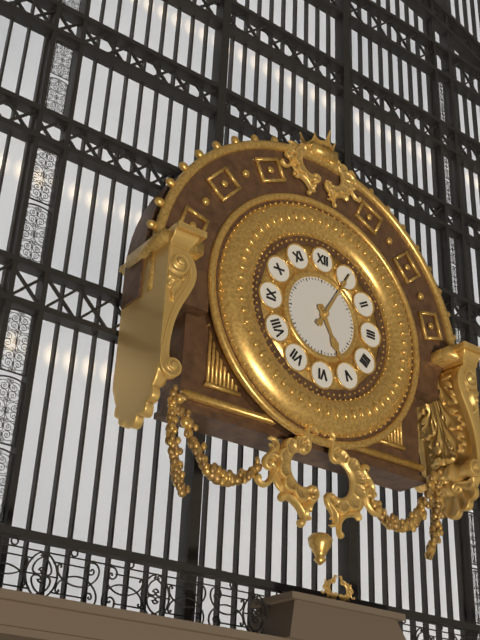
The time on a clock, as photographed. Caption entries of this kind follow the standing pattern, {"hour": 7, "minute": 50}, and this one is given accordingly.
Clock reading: {"hour": 5, "minute": 5}
